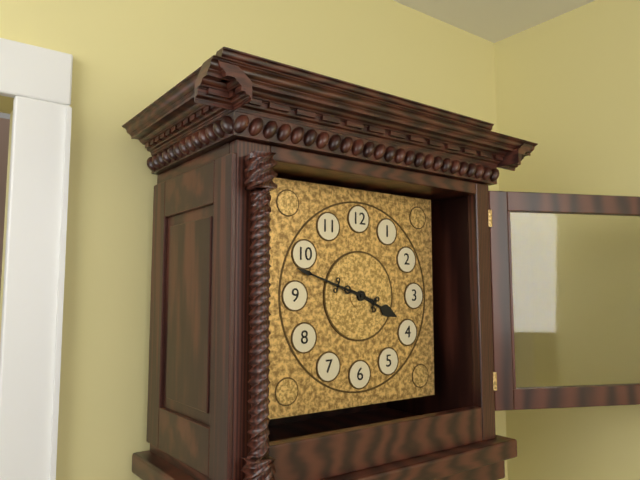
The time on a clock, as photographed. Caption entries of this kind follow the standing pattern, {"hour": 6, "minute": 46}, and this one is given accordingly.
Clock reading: {"hour": 3, "minute": 48}
